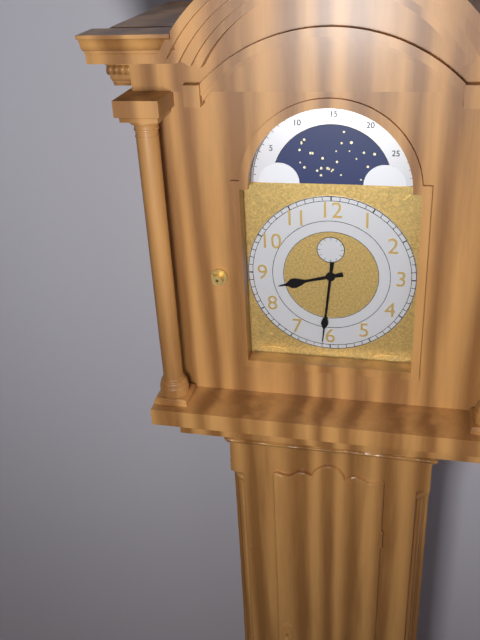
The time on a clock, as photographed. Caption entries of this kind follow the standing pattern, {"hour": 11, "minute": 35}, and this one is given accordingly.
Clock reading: {"hour": 8, "minute": 31}
